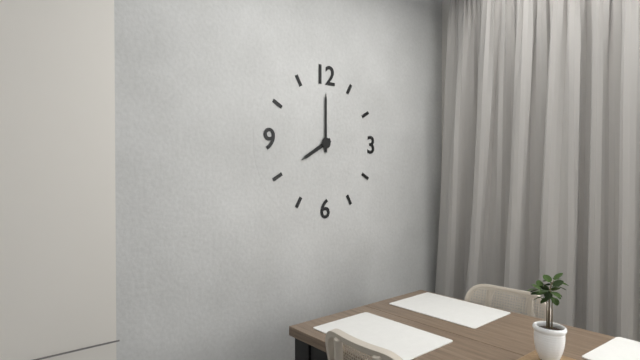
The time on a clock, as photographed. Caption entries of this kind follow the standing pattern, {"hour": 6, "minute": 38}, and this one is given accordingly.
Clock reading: {"hour": 8, "minute": 0}
